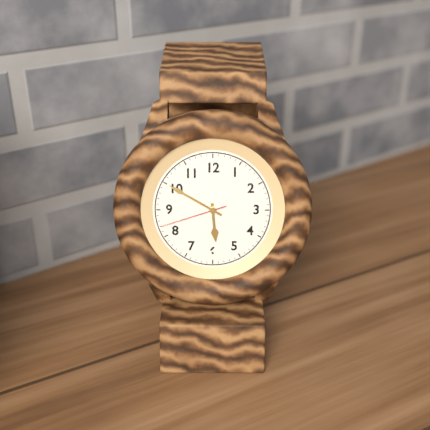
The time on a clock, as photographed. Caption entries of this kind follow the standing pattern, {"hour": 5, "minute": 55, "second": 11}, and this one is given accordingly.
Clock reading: {"hour": 5, "minute": 50, "second": 42}
